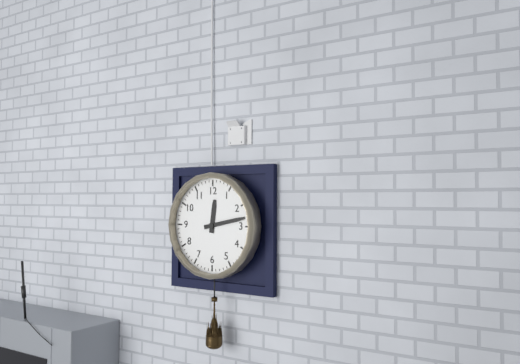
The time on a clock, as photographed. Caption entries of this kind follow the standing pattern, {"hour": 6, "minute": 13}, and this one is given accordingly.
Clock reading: {"hour": 12, "minute": 13}
